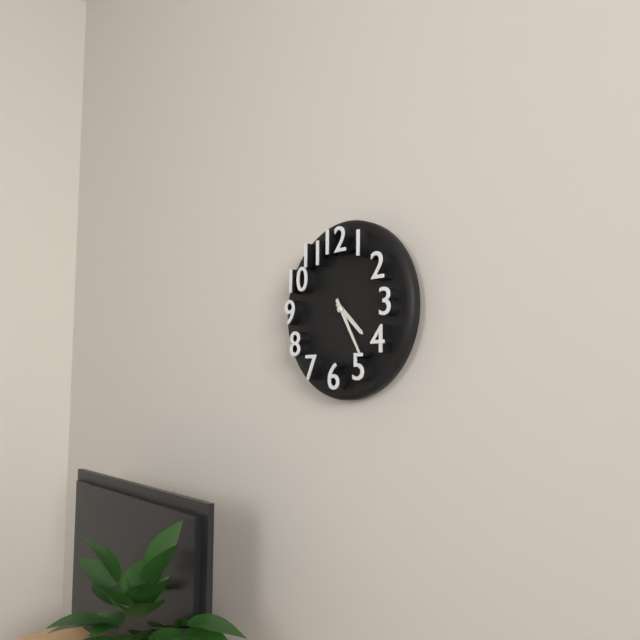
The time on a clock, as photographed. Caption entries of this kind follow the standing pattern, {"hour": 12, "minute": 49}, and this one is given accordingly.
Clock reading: {"hour": 4, "minute": 25}
